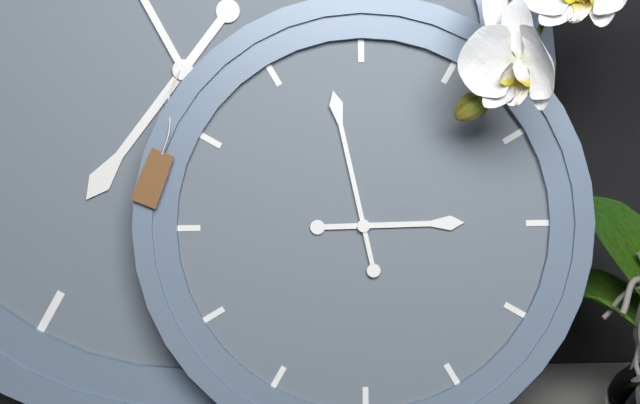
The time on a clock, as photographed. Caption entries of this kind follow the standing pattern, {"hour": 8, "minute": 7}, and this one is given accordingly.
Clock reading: {"hour": 2, "minute": 58}
